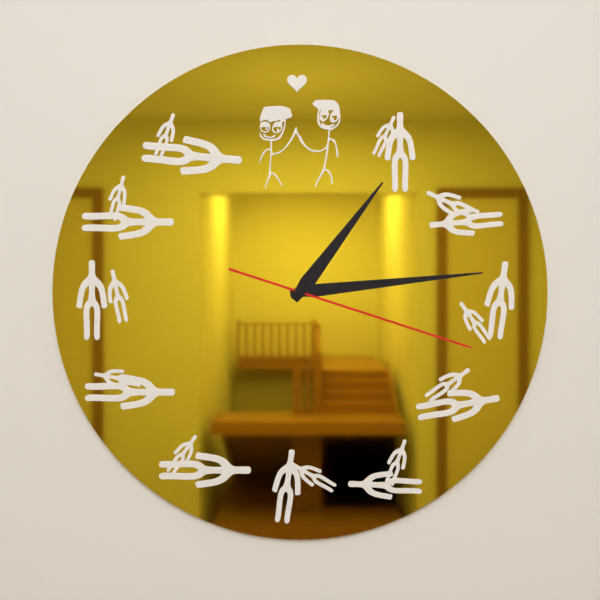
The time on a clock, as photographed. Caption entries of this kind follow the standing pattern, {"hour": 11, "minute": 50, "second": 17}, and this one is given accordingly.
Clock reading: {"hour": 1, "minute": 14, "second": 18}
